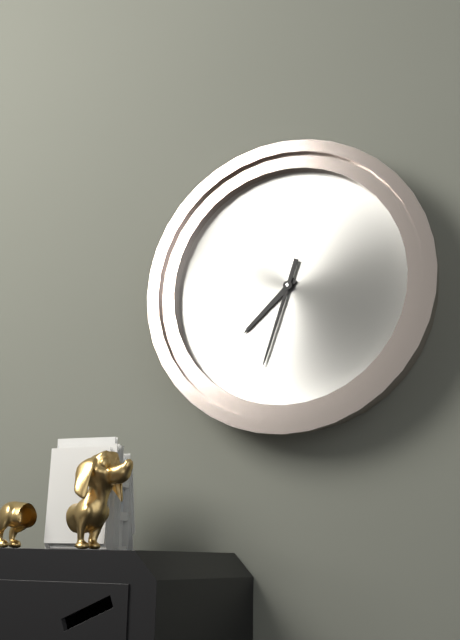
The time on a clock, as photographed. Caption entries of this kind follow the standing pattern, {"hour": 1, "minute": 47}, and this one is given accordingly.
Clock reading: {"hour": 7, "minute": 33}
